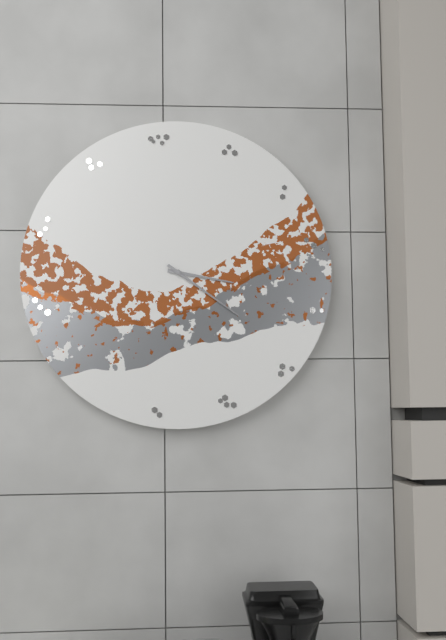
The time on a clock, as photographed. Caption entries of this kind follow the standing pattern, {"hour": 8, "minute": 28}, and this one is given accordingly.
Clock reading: {"hour": 3, "minute": 21}
